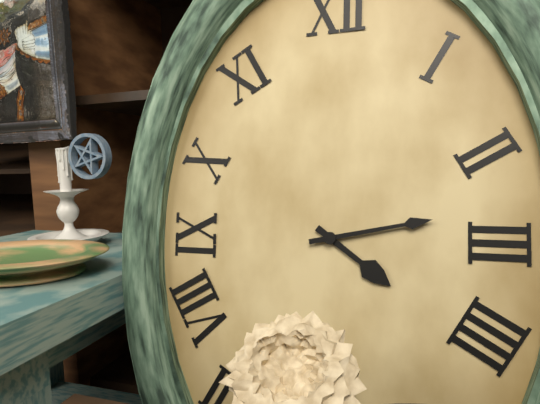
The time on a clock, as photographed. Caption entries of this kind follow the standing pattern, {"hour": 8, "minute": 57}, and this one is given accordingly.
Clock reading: {"hour": 4, "minute": 13}
